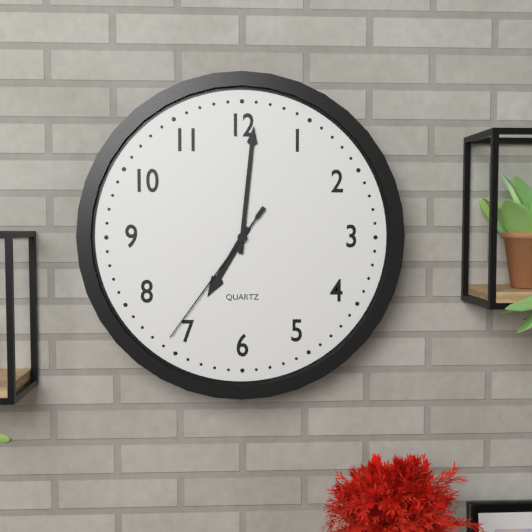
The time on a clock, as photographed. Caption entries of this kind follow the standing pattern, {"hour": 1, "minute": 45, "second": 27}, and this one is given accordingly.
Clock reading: {"hour": 7, "minute": 1, "second": 36}
